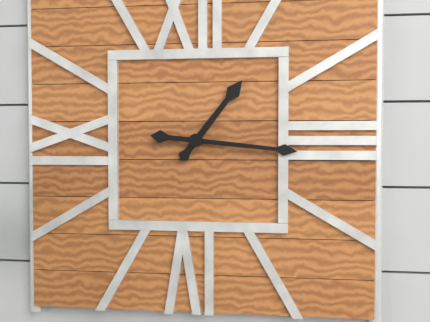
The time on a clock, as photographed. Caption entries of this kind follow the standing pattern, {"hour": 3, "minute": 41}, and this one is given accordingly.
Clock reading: {"hour": 1, "minute": 16}
